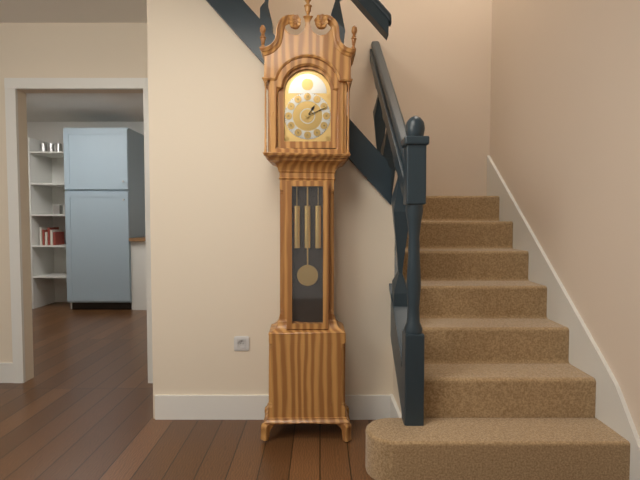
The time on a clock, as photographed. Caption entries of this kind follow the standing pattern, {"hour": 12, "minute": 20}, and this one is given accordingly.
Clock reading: {"hour": 1, "minute": 11}
